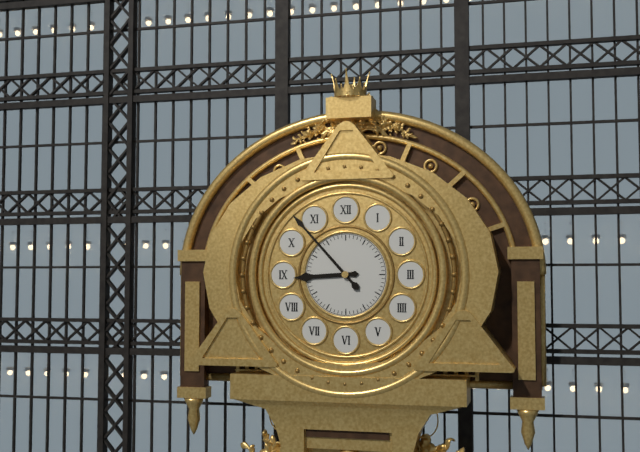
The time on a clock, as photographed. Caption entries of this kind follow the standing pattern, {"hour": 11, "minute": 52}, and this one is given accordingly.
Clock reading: {"hour": 8, "minute": 53}
